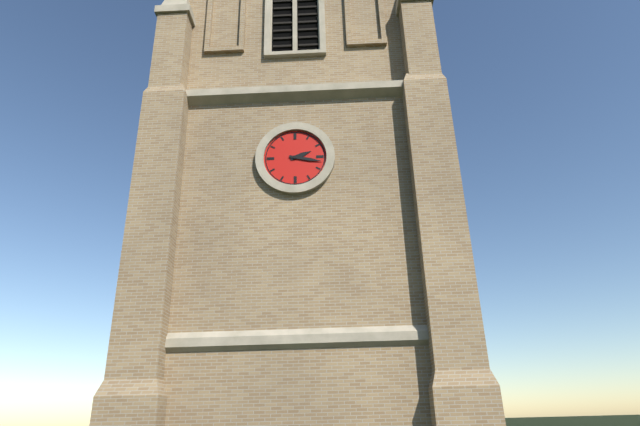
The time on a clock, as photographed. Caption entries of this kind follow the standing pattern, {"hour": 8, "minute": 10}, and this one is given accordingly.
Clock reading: {"hour": 2, "minute": 17}
